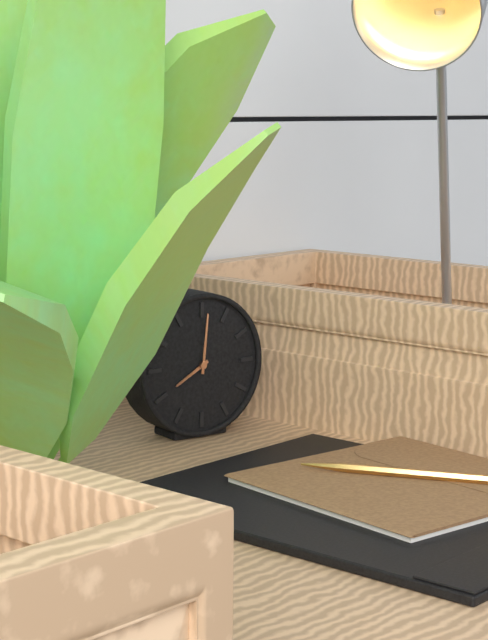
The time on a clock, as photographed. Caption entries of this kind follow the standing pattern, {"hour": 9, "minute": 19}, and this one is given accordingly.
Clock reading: {"hour": 8, "minute": 1}
